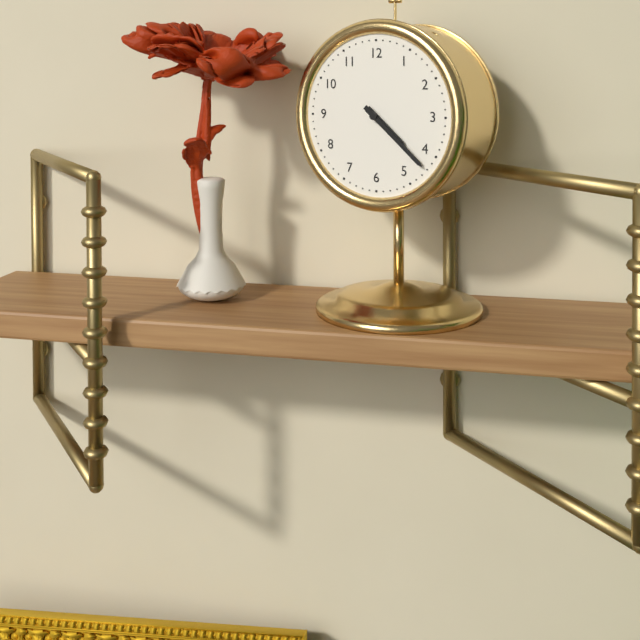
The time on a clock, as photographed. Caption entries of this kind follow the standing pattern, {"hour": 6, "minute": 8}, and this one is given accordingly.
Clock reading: {"hour": 4, "minute": 22}
